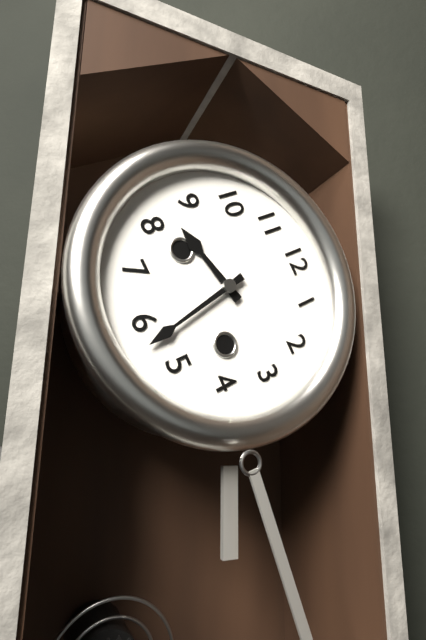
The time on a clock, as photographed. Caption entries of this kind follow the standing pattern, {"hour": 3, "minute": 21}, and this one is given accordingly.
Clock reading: {"hour": 8, "minute": 28}
